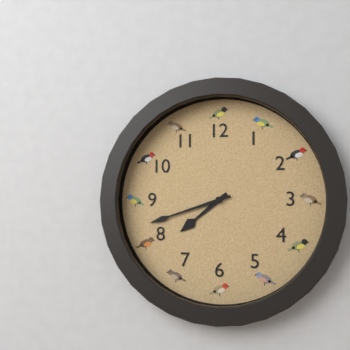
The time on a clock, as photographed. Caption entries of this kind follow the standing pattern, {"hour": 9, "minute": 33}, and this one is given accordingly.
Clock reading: {"hour": 7, "minute": 42}
